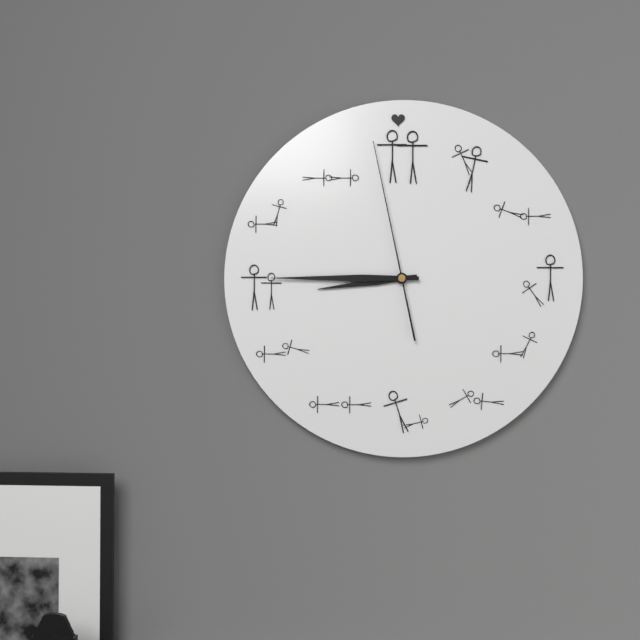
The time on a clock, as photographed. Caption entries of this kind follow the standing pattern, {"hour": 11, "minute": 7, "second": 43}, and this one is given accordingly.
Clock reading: {"hour": 8, "minute": 45, "second": 58}
